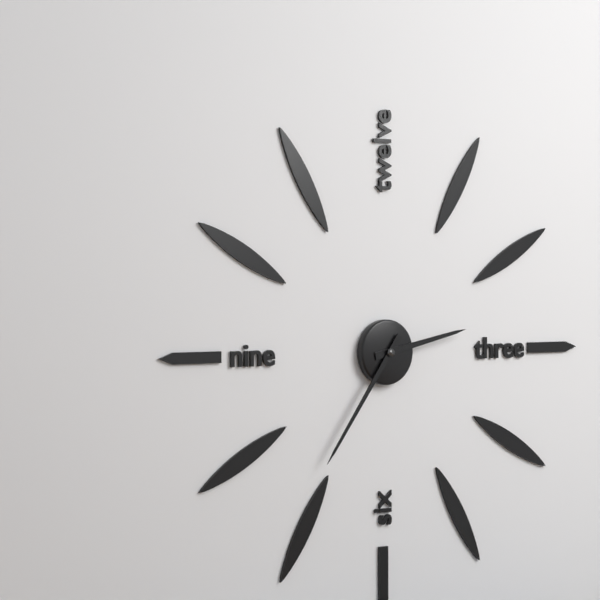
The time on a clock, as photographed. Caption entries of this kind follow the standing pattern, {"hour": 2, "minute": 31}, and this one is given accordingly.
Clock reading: {"hour": 2, "minute": 36}
